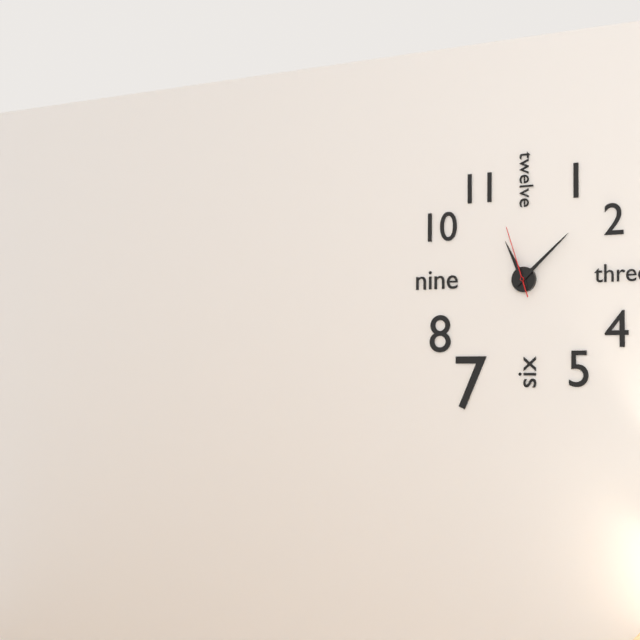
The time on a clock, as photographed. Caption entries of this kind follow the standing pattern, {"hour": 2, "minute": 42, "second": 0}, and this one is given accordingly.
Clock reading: {"hour": 11, "minute": 8, "second": 57}
